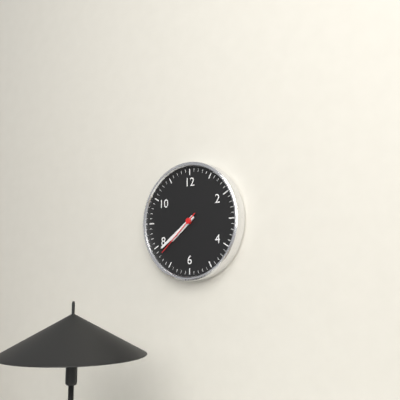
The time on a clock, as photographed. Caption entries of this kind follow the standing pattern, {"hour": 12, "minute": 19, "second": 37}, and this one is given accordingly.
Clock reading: {"hour": 7, "minute": 39, "second": 38}
